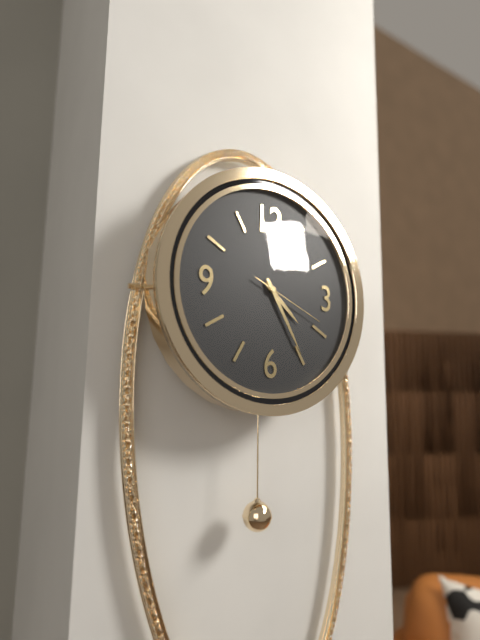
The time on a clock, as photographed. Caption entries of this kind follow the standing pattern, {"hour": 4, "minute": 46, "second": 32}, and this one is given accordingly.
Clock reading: {"hour": 4, "minute": 25, "second": 19}
